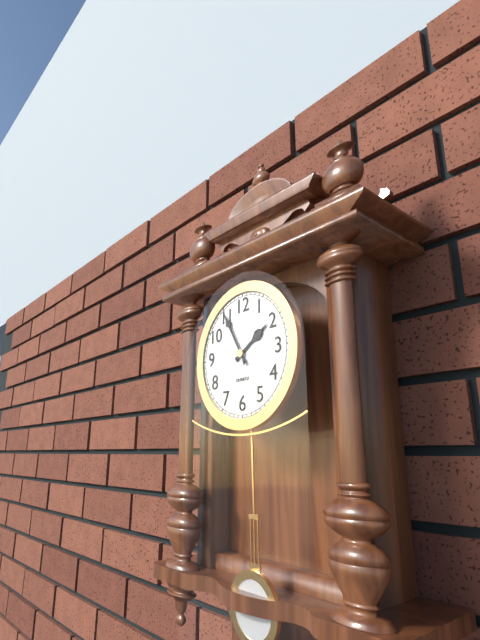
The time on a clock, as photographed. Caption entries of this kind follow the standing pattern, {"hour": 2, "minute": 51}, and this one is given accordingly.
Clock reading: {"hour": 1, "minute": 55}
